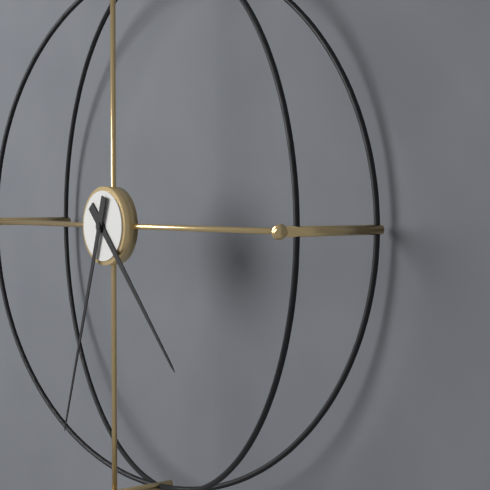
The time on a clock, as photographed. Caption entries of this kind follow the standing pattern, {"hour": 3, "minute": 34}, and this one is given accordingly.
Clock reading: {"hour": 4, "minute": 33}
